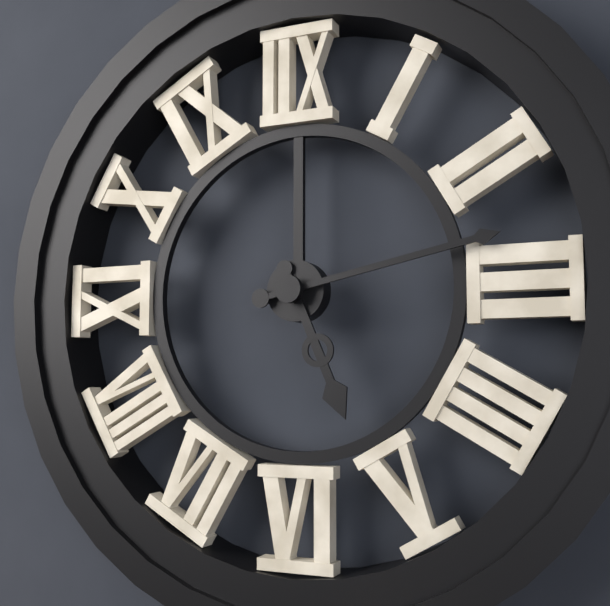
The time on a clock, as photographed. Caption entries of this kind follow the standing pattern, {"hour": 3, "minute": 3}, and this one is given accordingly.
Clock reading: {"hour": 5, "minute": 13}
